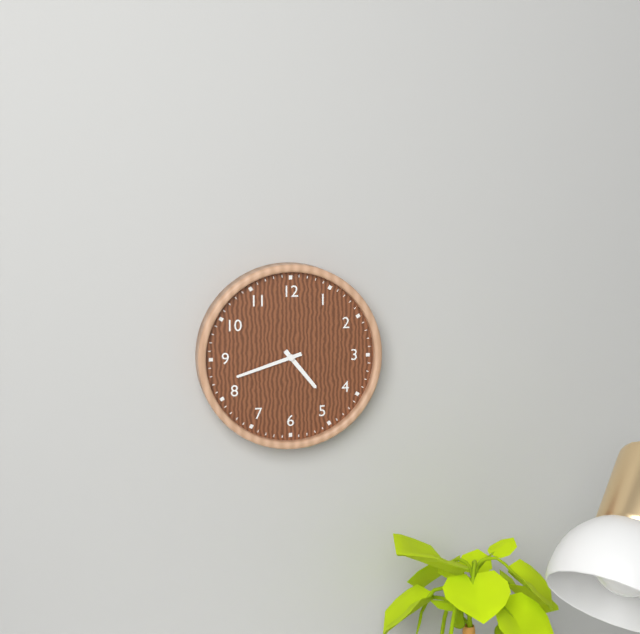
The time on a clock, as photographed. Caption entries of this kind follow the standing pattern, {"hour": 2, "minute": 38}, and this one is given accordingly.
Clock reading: {"hour": 4, "minute": 42}
